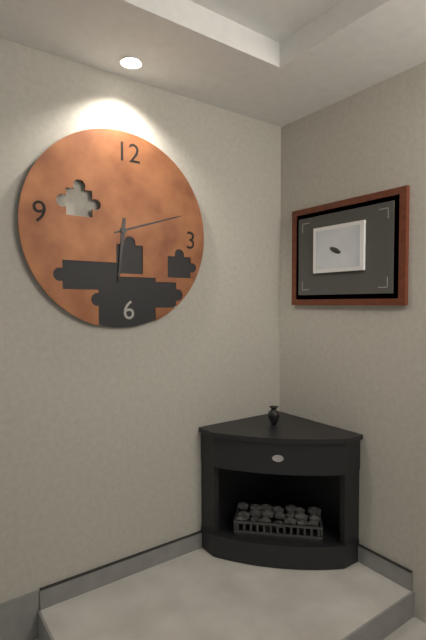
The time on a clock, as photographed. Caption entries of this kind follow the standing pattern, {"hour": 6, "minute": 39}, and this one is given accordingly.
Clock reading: {"hour": 6, "minute": 12}
